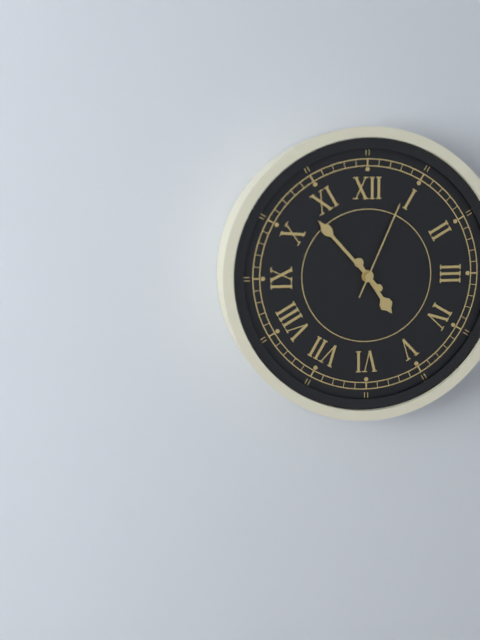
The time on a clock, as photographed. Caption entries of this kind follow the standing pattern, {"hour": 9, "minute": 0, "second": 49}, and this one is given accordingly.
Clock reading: {"hour": 4, "minute": 53, "second": 4}
